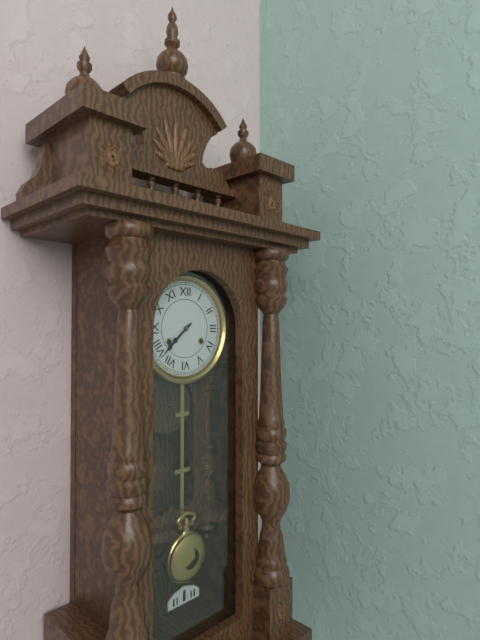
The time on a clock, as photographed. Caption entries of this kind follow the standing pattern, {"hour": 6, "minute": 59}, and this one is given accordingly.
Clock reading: {"hour": 7, "minute": 38}
